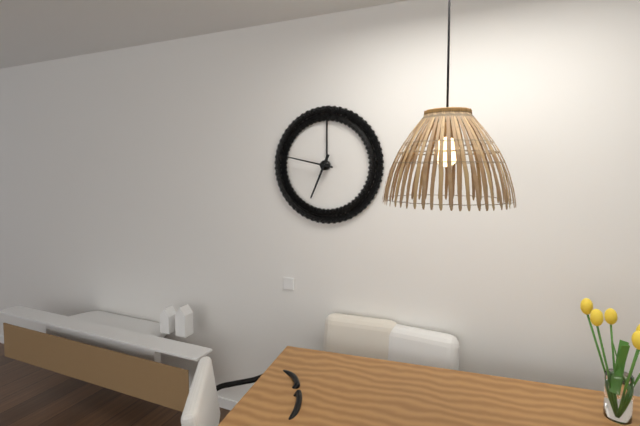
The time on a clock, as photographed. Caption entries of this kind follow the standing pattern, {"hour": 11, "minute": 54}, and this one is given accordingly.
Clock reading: {"hour": 6, "minute": 47}
